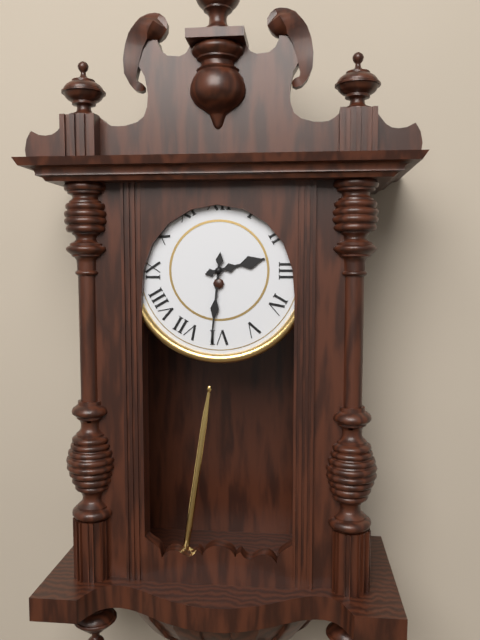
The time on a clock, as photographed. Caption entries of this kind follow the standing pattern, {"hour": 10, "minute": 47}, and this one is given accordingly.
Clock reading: {"hour": 2, "minute": 31}
